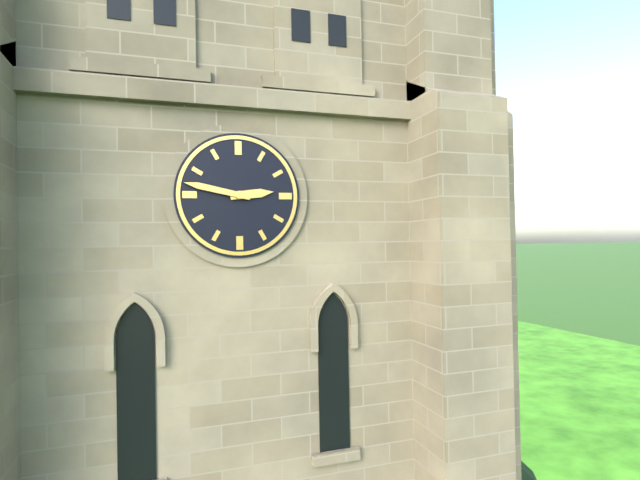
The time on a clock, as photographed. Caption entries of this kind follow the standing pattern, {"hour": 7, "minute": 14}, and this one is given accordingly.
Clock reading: {"hour": 2, "minute": 47}
